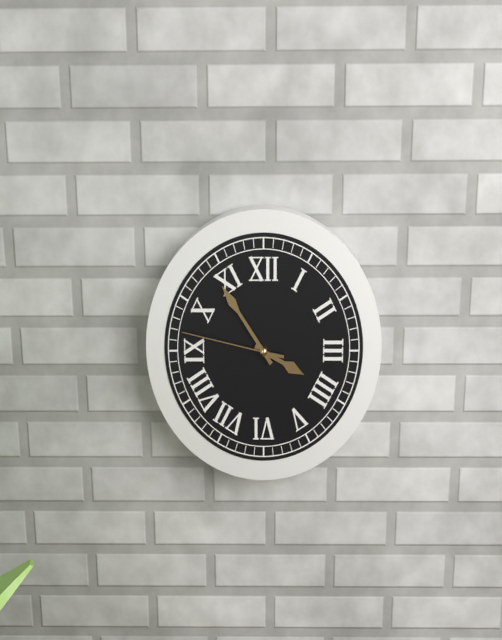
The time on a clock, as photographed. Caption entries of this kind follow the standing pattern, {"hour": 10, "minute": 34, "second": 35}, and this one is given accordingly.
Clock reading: {"hour": 3, "minute": 54, "second": 47}
